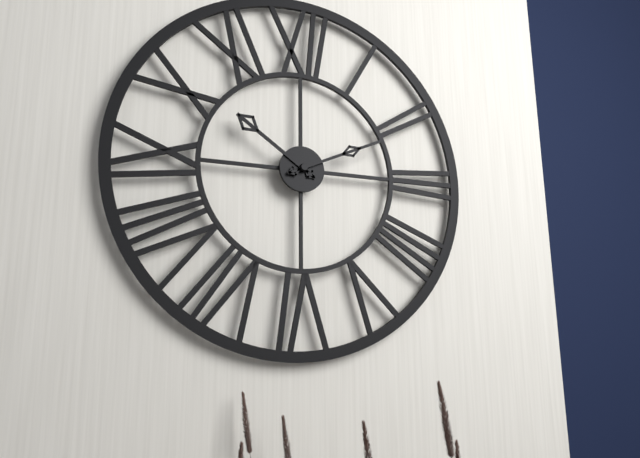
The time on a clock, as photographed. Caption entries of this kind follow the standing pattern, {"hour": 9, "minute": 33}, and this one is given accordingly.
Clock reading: {"hour": 10, "minute": 11}
